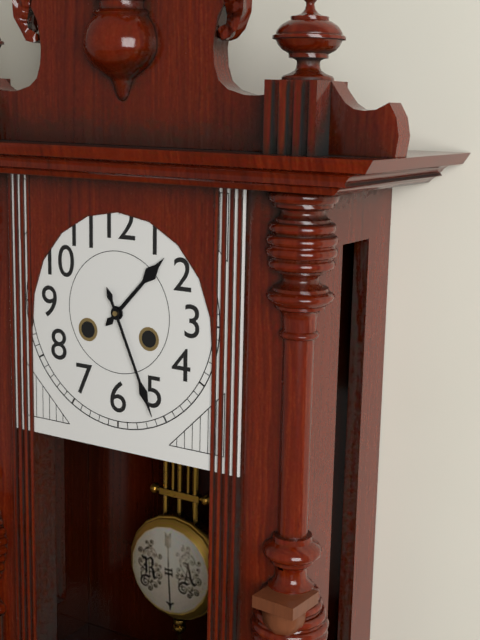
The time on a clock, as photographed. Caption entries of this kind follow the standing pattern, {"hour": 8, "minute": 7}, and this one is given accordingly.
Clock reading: {"hour": 1, "minute": 26}
